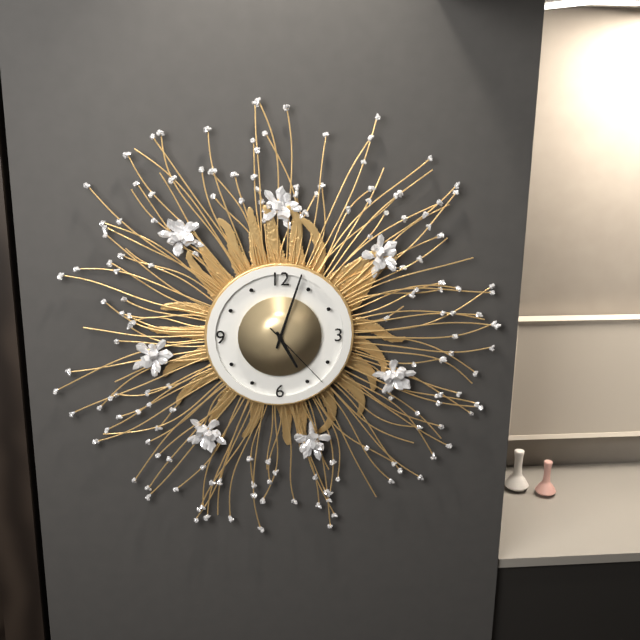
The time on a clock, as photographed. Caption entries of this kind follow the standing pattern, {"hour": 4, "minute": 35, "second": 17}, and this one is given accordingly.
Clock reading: {"hour": 5, "minute": 3, "second": 23}
